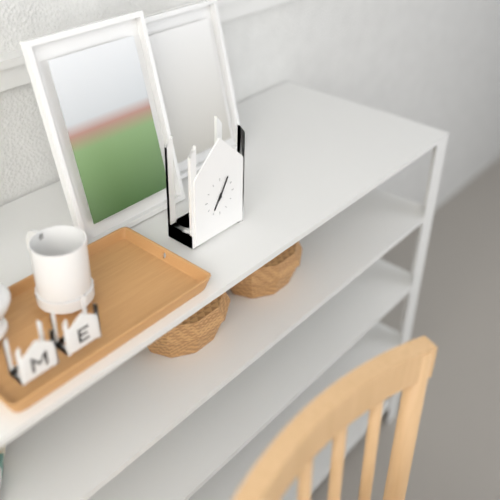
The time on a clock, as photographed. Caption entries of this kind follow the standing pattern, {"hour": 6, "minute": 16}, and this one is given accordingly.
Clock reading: {"hour": 7, "minute": 5}
